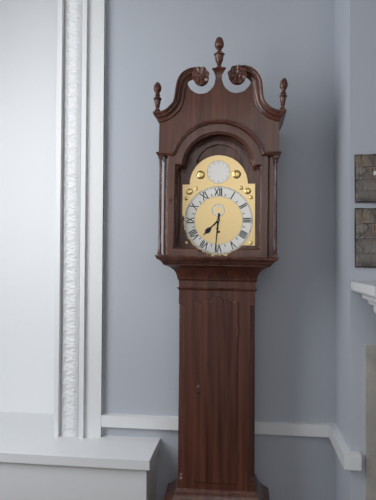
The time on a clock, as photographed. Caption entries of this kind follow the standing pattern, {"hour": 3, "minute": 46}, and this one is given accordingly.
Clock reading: {"hour": 7, "minute": 31}
